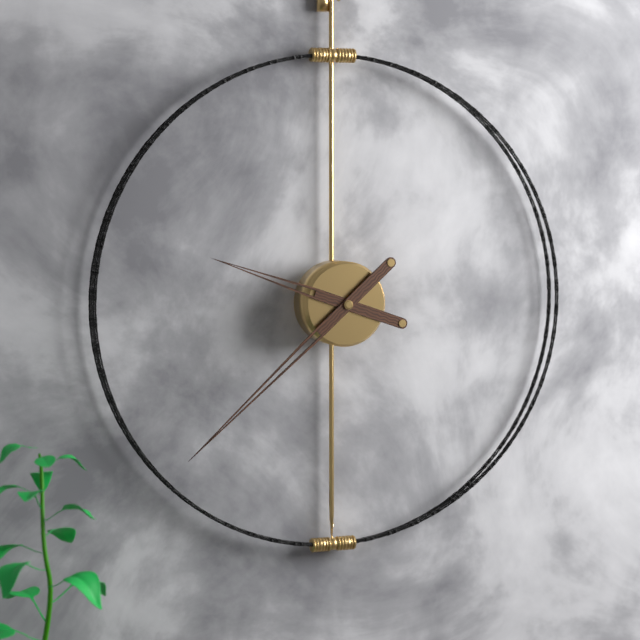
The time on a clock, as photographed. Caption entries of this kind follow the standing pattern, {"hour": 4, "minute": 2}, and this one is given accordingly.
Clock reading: {"hour": 9, "minute": 38}
